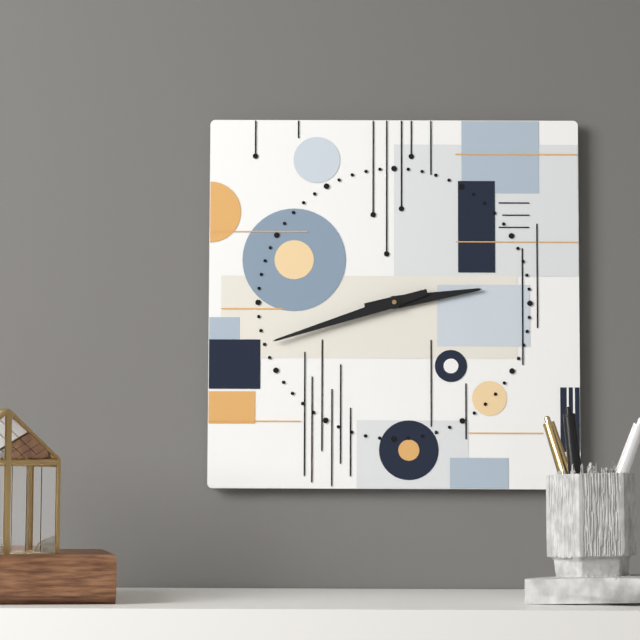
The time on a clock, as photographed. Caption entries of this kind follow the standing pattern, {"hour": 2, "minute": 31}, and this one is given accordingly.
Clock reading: {"hour": 2, "minute": 42}
